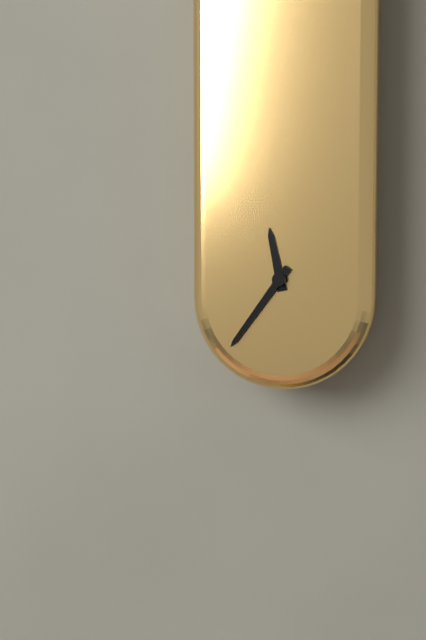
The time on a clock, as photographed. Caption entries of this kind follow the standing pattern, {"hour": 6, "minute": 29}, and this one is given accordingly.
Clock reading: {"hour": 11, "minute": 36}
